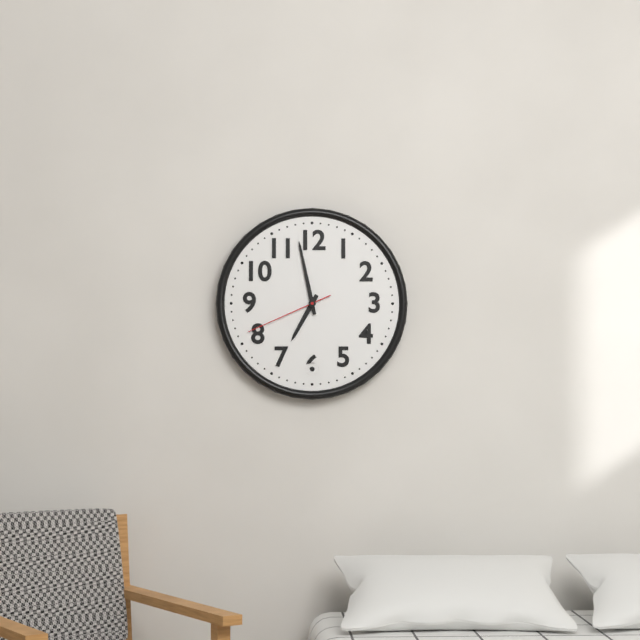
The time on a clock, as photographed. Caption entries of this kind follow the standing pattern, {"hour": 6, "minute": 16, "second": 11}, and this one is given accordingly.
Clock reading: {"hour": 6, "minute": 58, "second": 41}
